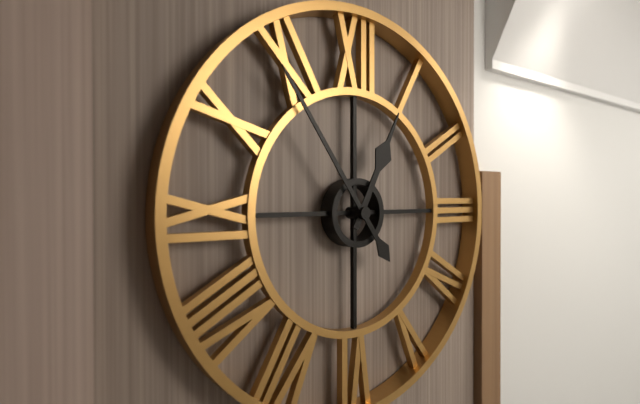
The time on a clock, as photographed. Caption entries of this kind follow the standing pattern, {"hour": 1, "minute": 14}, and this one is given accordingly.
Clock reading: {"hour": 12, "minute": 54}
